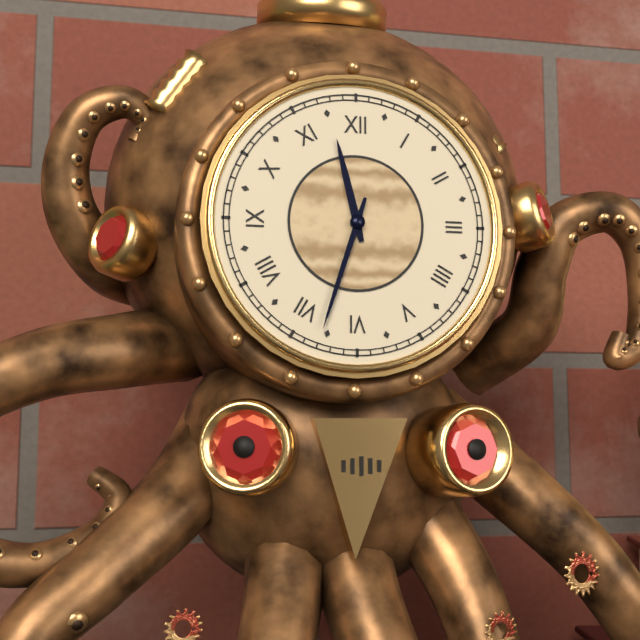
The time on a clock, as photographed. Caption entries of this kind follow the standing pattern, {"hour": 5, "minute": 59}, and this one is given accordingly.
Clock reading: {"hour": 11, "minute": 33}
